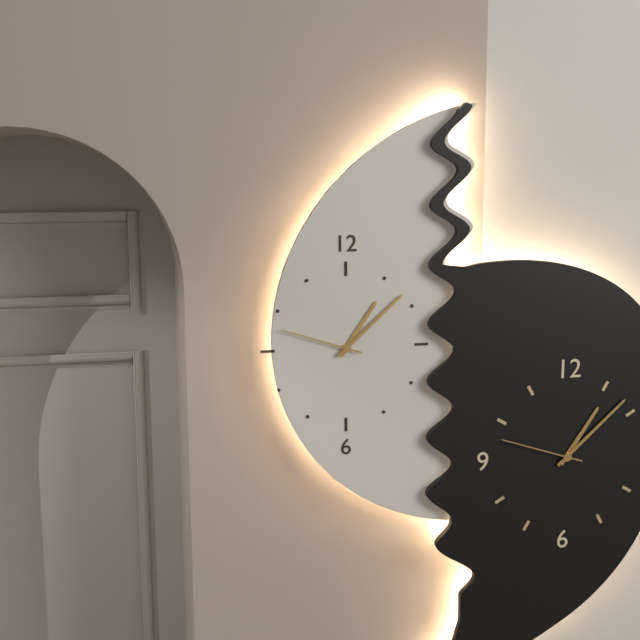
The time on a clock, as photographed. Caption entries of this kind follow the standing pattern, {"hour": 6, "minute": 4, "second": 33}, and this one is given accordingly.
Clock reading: {"hour": 1, "minute": 8, "second": 48}
